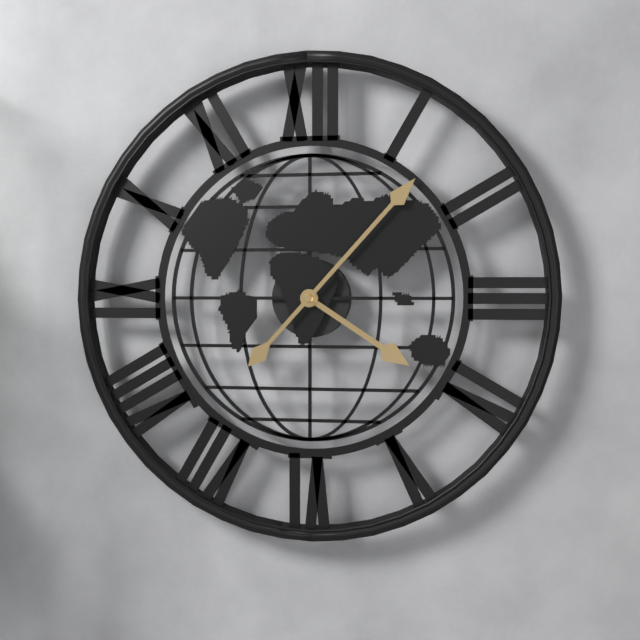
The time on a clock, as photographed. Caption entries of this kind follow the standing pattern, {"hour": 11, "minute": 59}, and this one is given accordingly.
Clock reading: {"hour": 4, "minute": 7}
